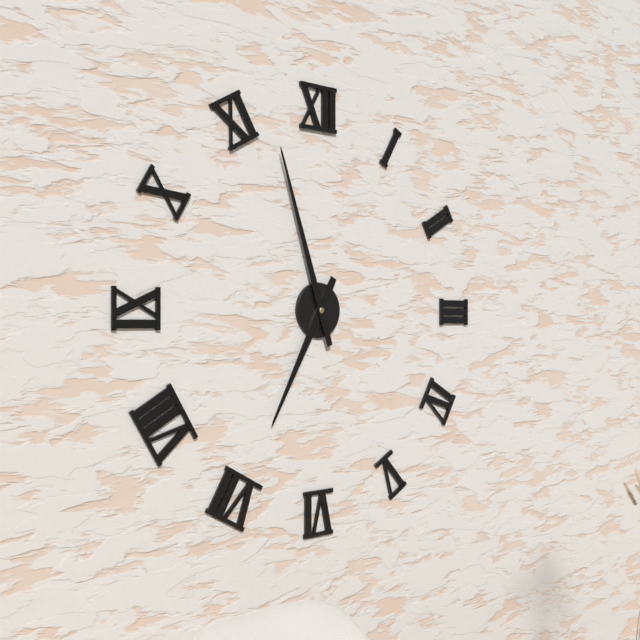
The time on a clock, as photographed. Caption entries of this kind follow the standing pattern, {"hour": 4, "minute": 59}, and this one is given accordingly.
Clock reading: {"hour": 6, "minute": 57}
